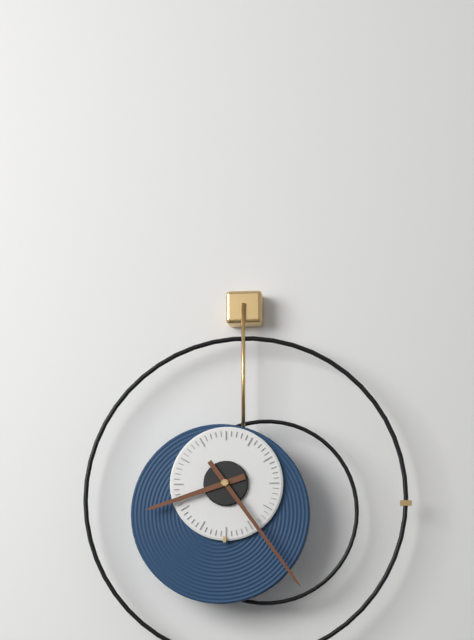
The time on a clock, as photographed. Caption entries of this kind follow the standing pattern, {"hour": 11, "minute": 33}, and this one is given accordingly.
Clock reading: {"hour": 8, "minute": 24}
